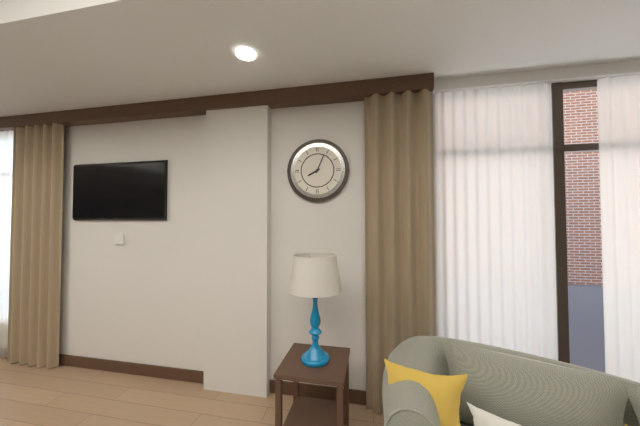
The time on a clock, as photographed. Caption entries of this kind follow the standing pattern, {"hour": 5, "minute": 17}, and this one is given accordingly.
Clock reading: {"hour": 8, "minute": 4}
